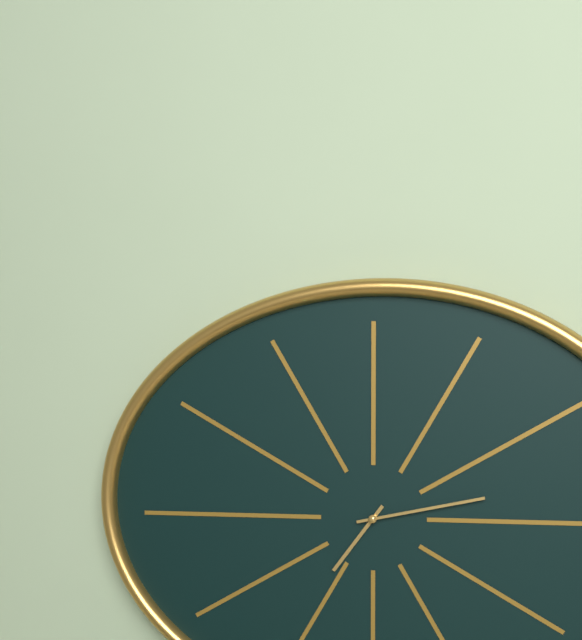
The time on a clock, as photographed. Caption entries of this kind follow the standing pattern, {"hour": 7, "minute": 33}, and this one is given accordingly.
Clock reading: {"hour": 7, "minute": 13}
